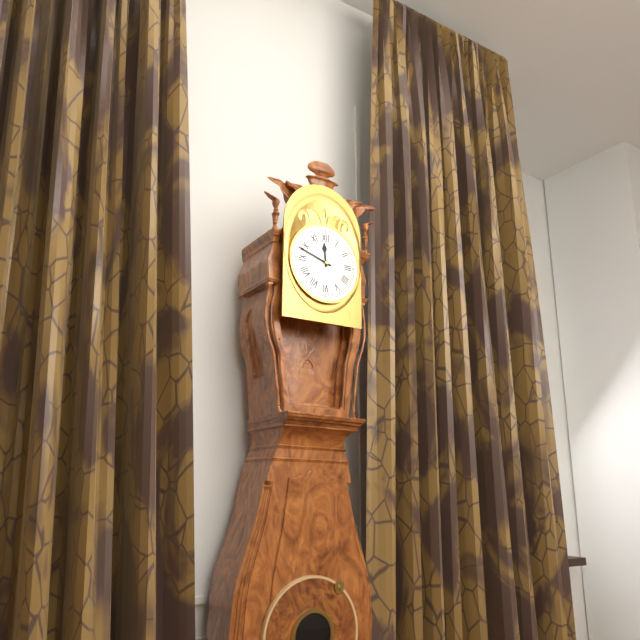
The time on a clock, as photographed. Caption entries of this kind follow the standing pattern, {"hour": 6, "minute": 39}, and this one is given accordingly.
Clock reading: {"hour": 11, "minute": 48}
